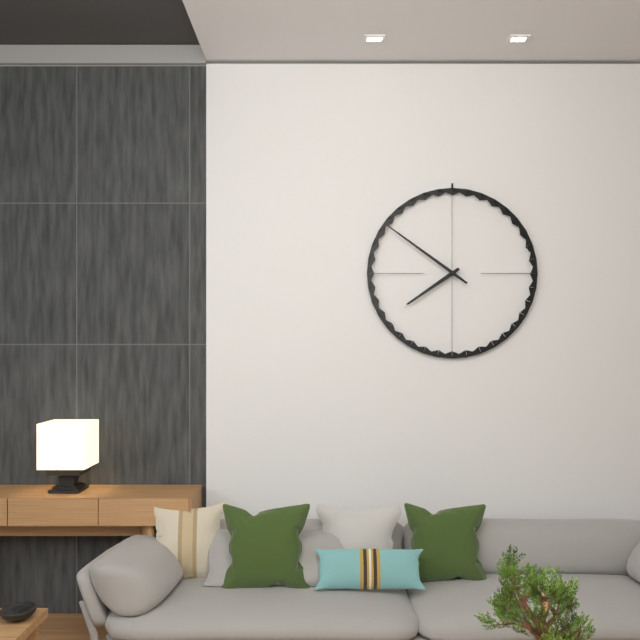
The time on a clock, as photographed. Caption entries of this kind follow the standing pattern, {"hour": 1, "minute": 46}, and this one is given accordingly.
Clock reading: {"hour": 7, "minute": 51}
